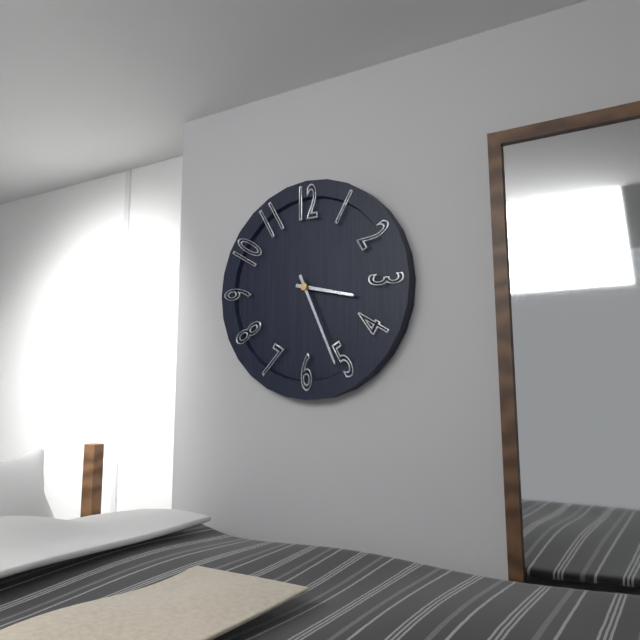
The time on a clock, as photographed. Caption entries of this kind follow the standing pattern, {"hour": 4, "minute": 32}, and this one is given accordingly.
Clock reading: {"hour": 3, "minute": 26}
